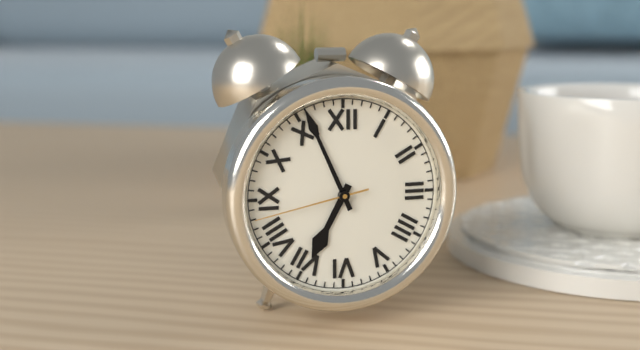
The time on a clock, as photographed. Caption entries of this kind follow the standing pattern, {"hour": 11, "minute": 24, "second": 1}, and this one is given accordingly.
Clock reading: {"hour": 6, "minute": 56, "second": 43}
